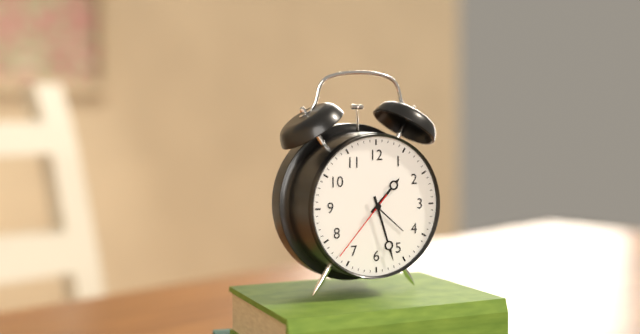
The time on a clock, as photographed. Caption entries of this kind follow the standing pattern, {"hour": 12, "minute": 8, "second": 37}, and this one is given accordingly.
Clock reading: {"hour": 1, "minute": 27, "second": 37}
